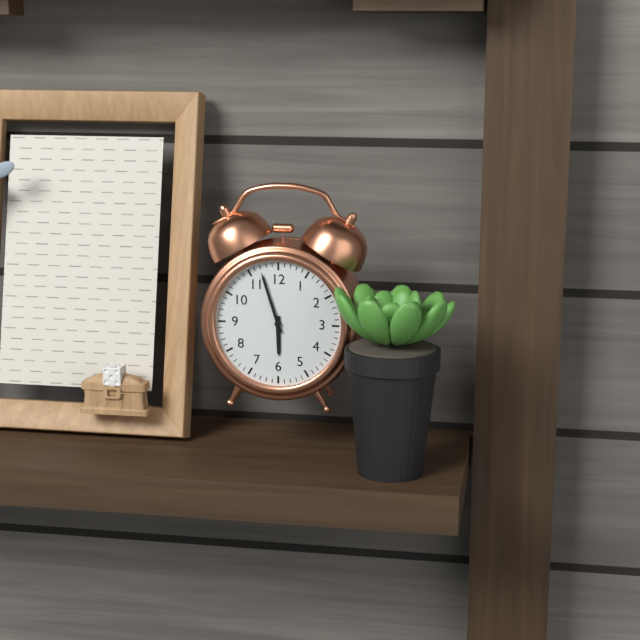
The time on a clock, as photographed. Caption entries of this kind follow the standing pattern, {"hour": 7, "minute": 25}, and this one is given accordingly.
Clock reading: {"hour": 5, "minute": 57}
